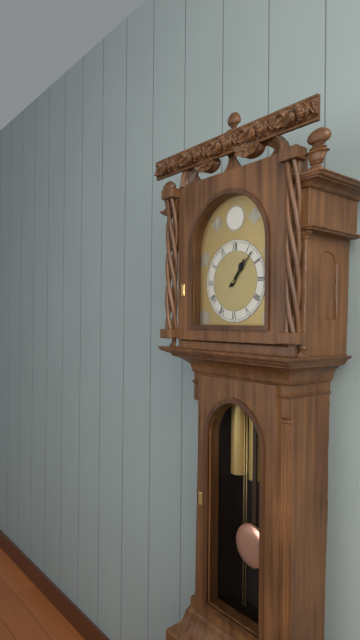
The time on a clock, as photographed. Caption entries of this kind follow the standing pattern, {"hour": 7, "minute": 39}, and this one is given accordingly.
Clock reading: {"hour": 1, "minute": 7}
